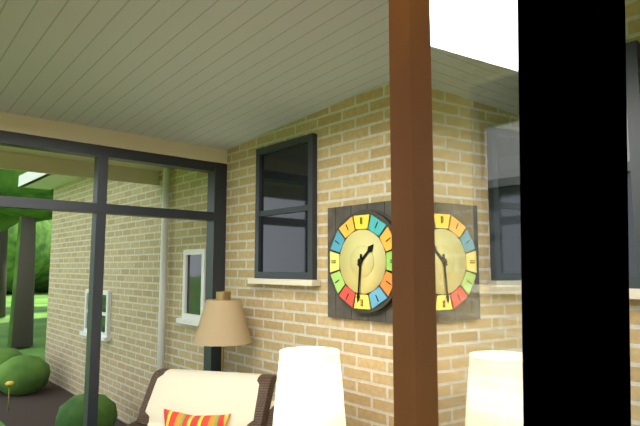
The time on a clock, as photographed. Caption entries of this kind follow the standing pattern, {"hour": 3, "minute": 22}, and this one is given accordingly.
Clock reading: {"hour": 1, "minute": 31}
